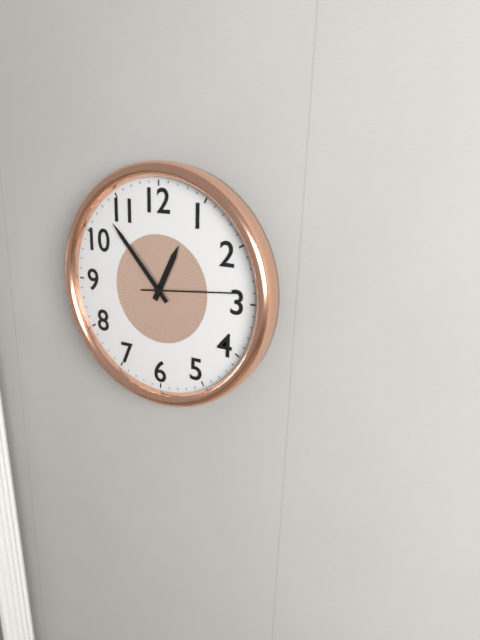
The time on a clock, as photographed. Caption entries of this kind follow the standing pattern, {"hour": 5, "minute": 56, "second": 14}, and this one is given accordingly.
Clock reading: {"hour": 12, "minute": 53, "second": 14}
